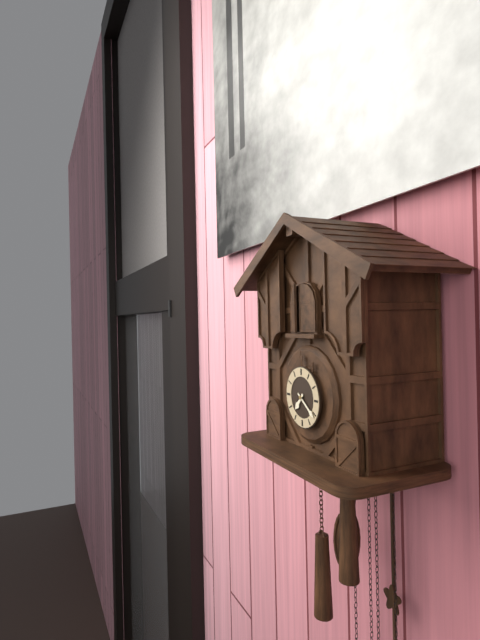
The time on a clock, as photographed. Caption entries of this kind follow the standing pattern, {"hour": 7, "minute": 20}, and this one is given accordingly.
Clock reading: {"hour": 7, "minute": 21}
